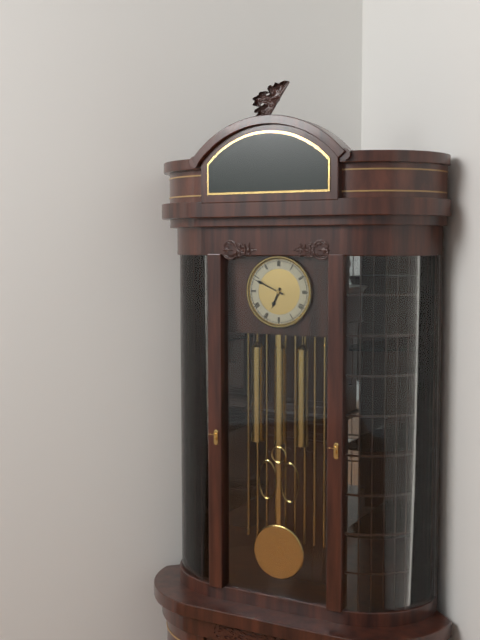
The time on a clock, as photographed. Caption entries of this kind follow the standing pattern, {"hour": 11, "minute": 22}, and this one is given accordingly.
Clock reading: {"hour": 6, "minute": 49}
